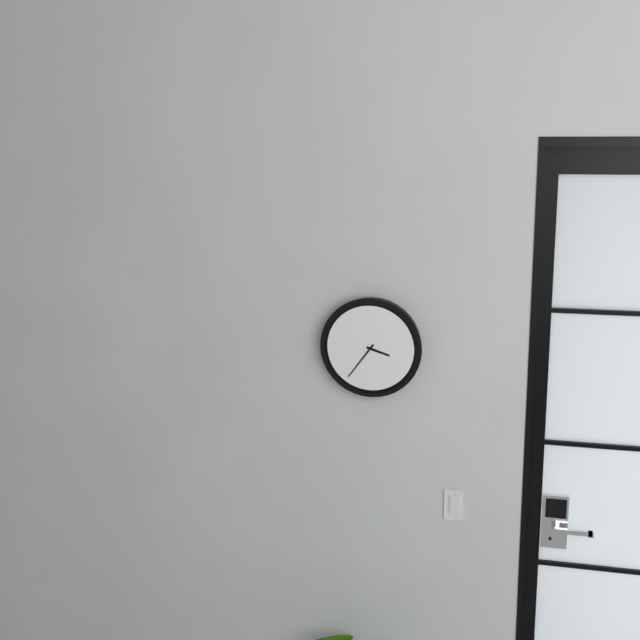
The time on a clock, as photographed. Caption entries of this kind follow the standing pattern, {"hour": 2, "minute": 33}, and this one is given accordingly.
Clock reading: {"hour": 3, "minute": 36}
